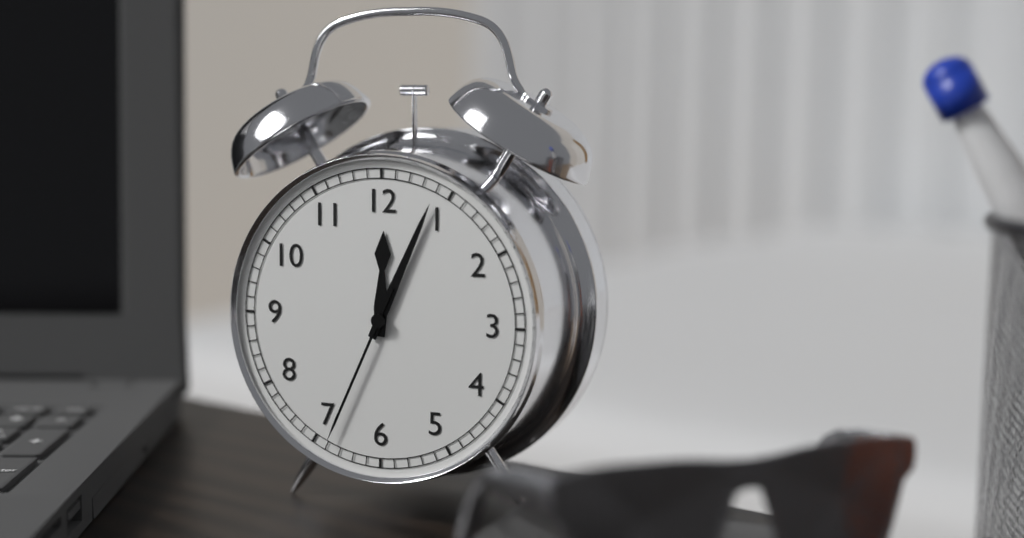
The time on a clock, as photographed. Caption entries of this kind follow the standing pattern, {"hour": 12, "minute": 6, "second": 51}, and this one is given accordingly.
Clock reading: {"hour": 12, "minute": 4, "second": 34}
